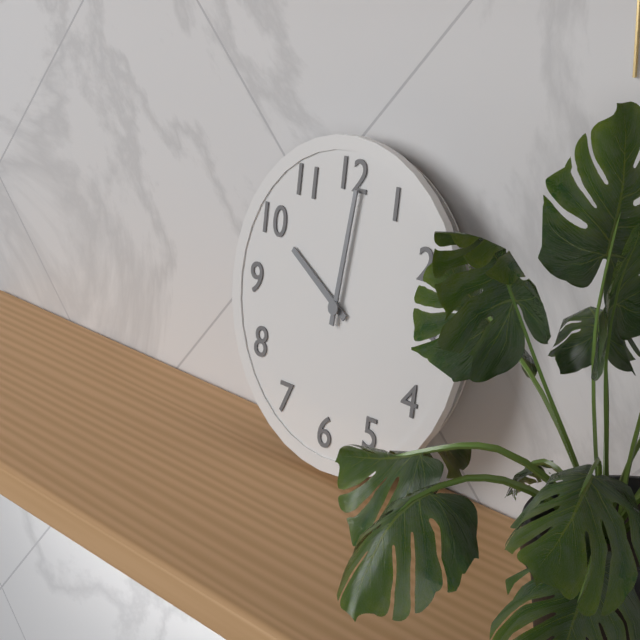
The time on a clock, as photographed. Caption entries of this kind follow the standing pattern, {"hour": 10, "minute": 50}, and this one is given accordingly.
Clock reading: {"hour": 10, "minute": 1}
